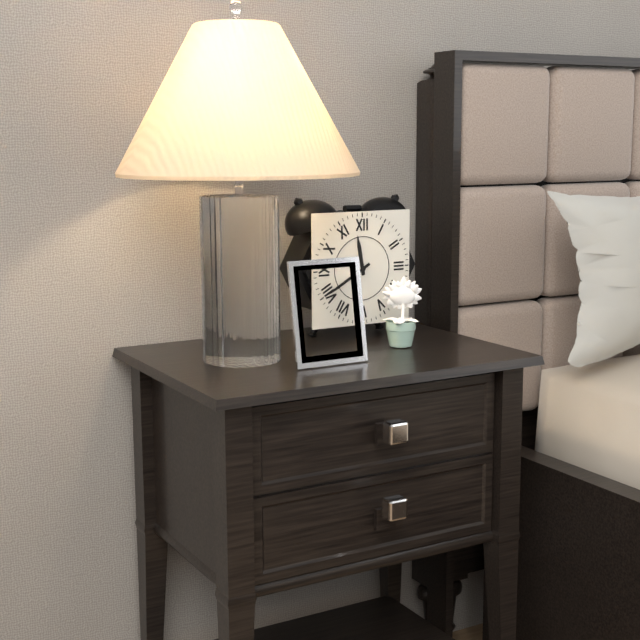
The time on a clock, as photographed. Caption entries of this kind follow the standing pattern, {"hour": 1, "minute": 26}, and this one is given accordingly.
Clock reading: {"hour": 11, "minute": 40}
